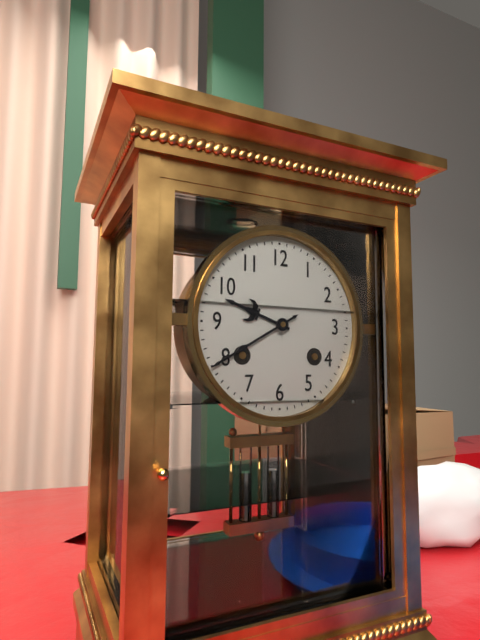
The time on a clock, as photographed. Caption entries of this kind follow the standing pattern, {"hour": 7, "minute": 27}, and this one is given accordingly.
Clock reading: {"hour": 9, "minute": 40}
